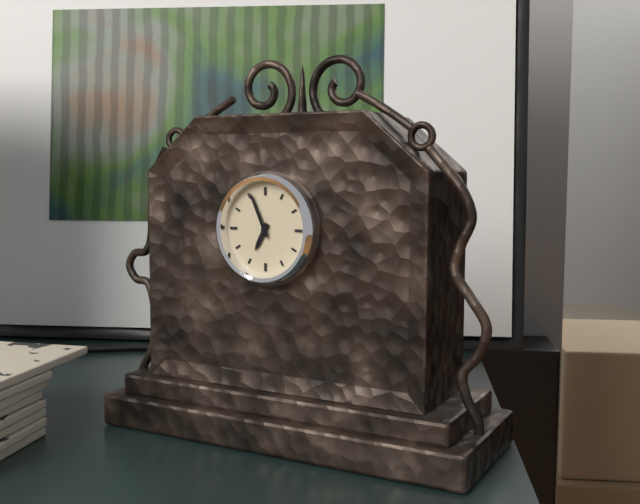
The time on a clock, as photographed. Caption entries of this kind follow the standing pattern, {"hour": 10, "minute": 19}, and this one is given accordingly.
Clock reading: {"hour": 6, "minute": 56}
